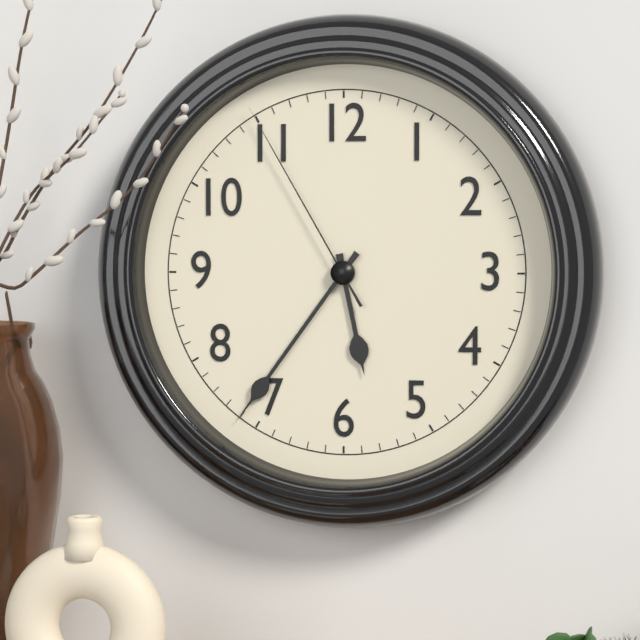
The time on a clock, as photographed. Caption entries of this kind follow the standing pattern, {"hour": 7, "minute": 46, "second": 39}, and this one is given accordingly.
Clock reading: {"hour": 5, "minute": 36, "second": 55}
